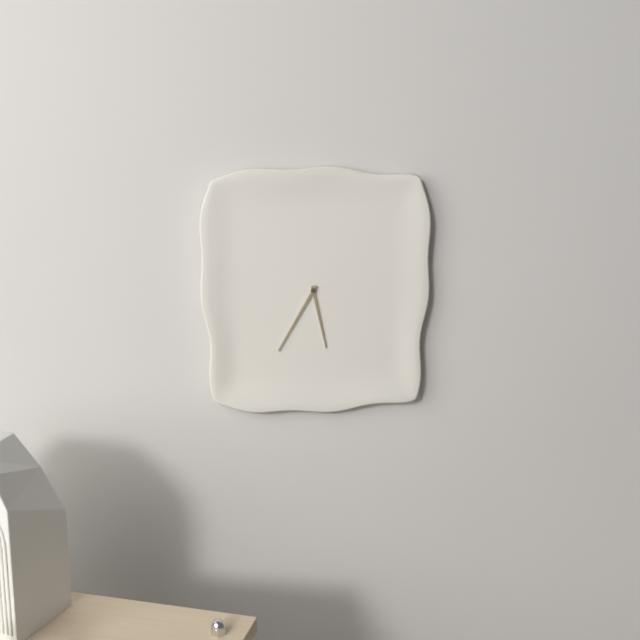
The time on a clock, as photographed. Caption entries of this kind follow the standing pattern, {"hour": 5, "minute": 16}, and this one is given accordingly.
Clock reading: {"hour": 5, "minute": 35}
